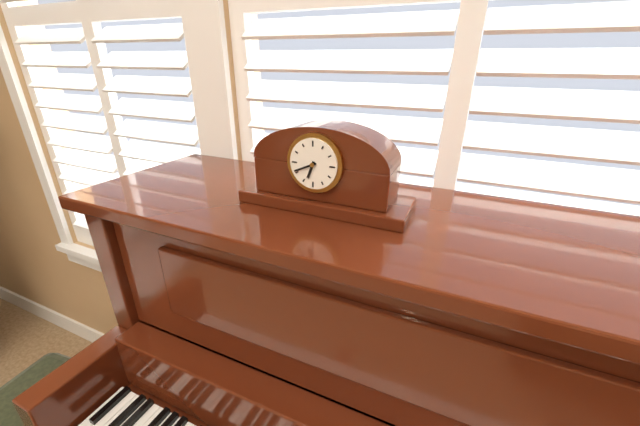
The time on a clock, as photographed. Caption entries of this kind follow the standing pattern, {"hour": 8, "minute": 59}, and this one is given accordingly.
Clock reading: {"hour": 6, "minute": 41}
